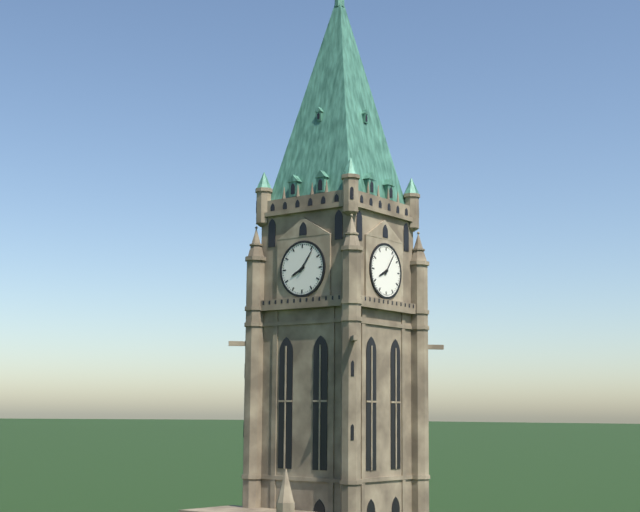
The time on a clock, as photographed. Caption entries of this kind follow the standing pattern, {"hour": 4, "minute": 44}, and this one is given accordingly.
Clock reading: {"hour": 8, "minute": 6}
